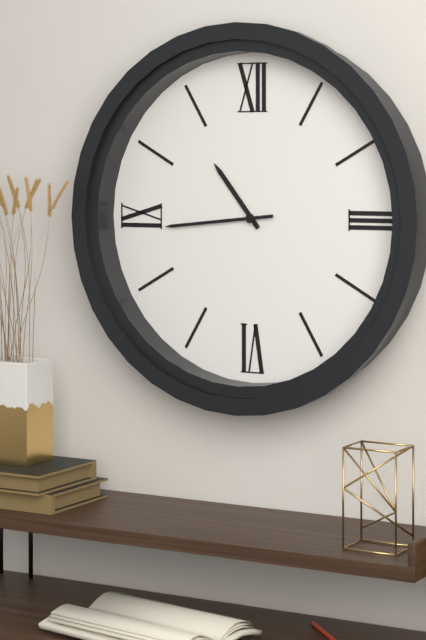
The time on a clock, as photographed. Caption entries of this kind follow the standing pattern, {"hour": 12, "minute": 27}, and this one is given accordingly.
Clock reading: {"hour": 10, "minute": 44}
